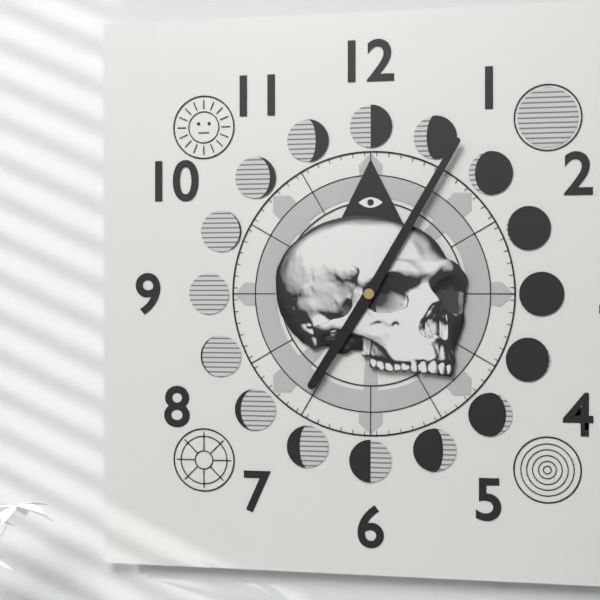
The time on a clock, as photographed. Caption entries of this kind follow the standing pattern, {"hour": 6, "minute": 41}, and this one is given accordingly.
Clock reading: {"hour": 7, "minute": 5}
